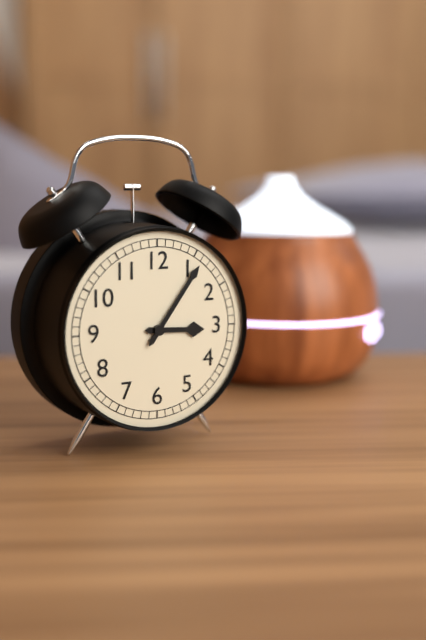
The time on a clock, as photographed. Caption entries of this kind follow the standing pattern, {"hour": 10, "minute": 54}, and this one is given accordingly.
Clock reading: {"hour": 3, "minute": 6}
